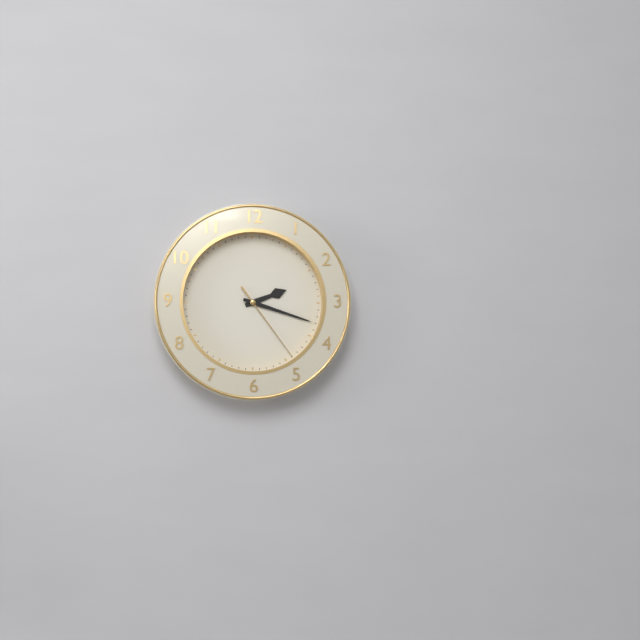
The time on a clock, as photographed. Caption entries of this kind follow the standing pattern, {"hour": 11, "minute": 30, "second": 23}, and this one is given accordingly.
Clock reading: {"hour": 2, "minute": 18, "second": 24}
